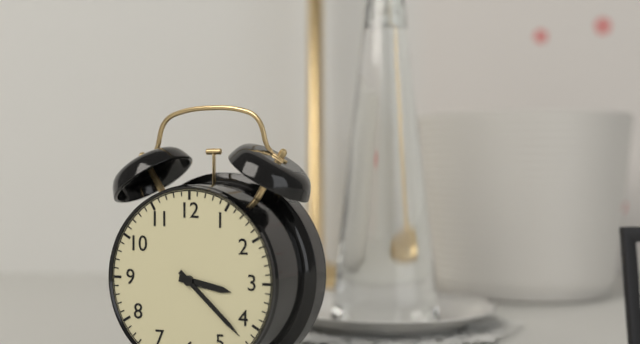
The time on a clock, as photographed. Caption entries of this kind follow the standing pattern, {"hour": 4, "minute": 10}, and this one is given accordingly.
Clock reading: {"hour": 3, "minute": 22}
